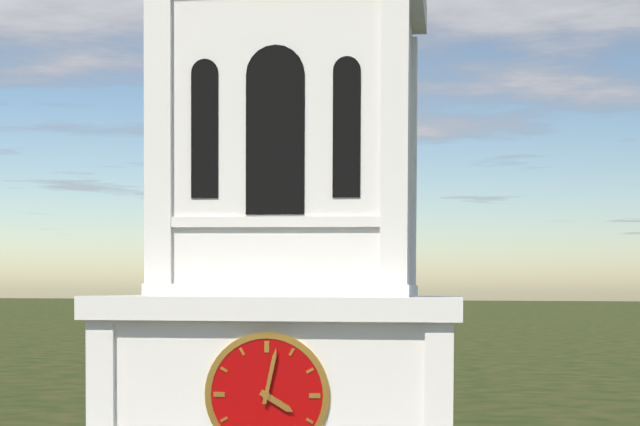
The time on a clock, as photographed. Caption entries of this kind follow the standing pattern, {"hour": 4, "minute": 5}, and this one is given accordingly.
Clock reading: {"hour": 4, "minute": 2}
